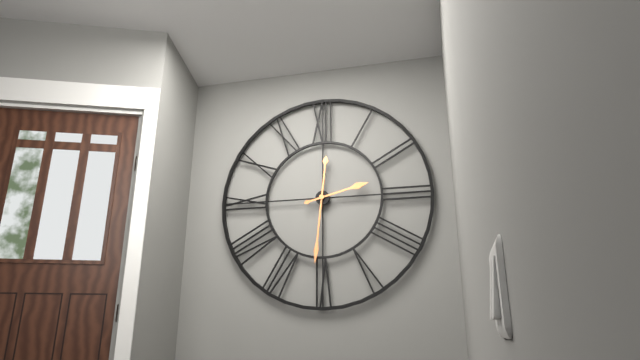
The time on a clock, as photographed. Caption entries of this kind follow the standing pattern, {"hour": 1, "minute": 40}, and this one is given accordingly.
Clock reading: {"hour": 2, "minute": 31}
